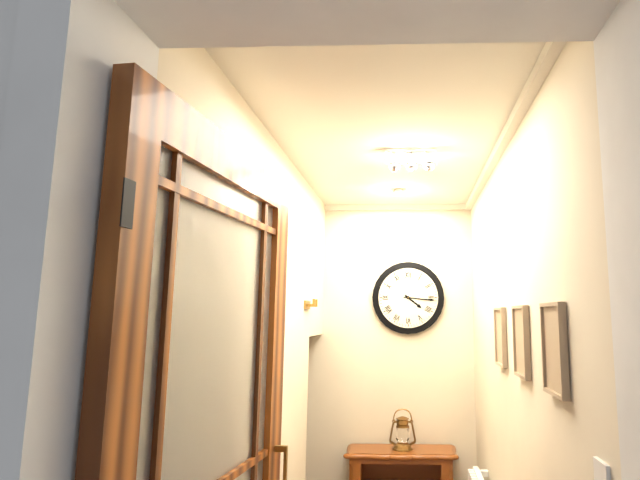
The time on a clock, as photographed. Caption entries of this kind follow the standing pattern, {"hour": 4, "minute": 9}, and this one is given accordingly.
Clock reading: {"hour": 4, "minute": 16}
